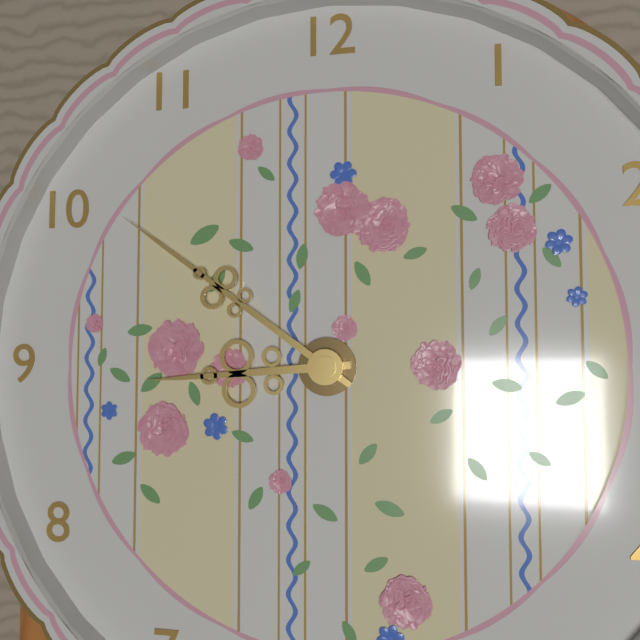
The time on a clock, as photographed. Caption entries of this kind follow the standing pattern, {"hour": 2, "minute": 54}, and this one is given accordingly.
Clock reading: {"hour": 8, "minute": 51}
